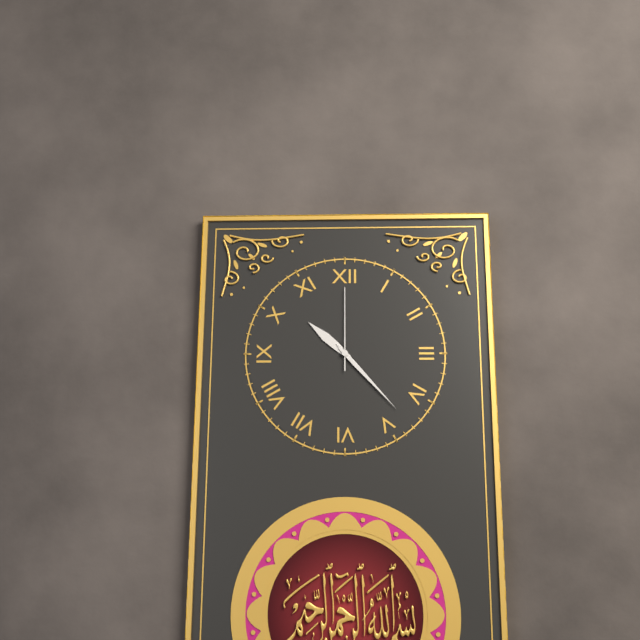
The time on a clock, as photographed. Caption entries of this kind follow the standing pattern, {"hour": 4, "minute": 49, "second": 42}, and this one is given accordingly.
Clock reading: {"hour": 10, "minute": 23, "second": 0}
